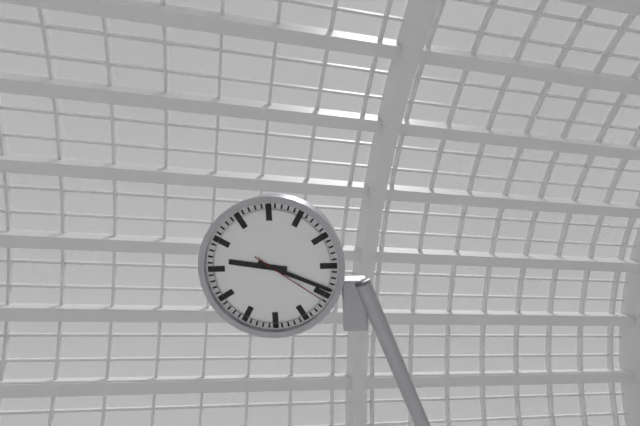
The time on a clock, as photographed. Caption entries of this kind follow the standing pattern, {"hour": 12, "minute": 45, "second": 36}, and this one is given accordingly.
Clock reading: {"hour": 9, "minute": 19, "second": 21}
